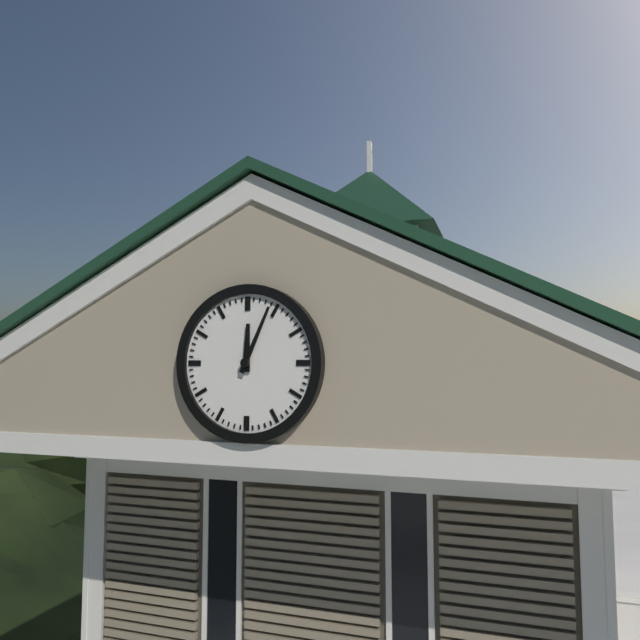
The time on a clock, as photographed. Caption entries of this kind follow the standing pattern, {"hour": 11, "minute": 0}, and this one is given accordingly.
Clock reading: {"hour": 12, "minute": 4}
